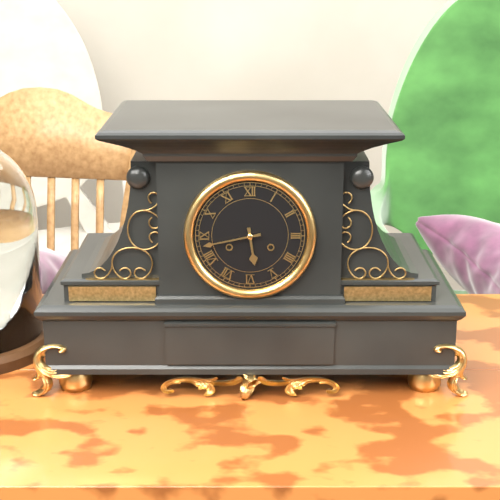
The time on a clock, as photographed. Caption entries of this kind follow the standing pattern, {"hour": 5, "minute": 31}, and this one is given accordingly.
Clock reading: {"hour": 5, "minute": 43}
